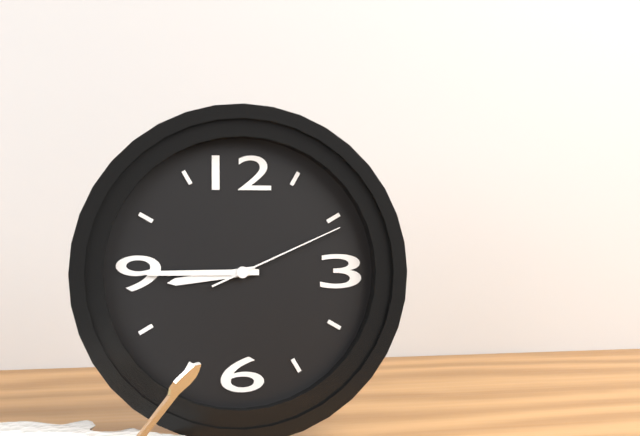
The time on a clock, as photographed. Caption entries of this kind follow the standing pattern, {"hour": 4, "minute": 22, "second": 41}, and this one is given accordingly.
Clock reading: {"hour": 8, "minute": 45, "second": 11}
